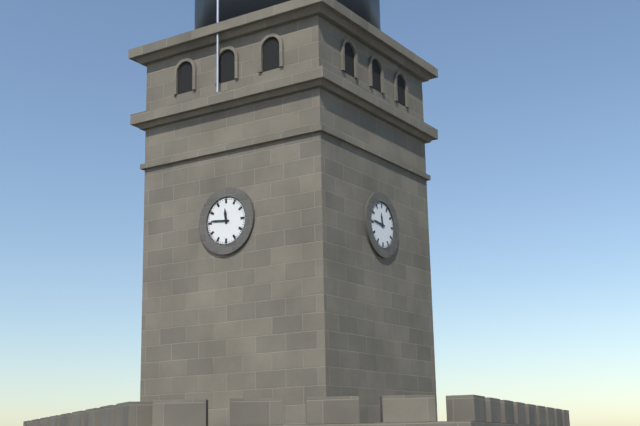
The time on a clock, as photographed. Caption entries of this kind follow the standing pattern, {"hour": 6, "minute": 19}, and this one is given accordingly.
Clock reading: {"hour": 11, "minute": 46}
